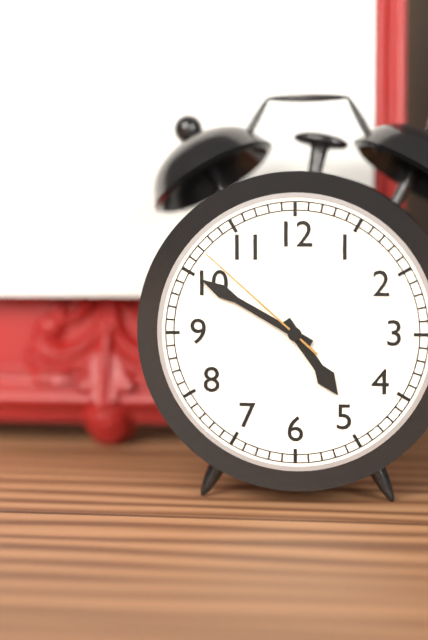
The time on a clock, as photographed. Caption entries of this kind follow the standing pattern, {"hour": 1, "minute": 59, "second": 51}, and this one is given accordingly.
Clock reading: {"hour": 4, "minute": 50, "second": 52}
